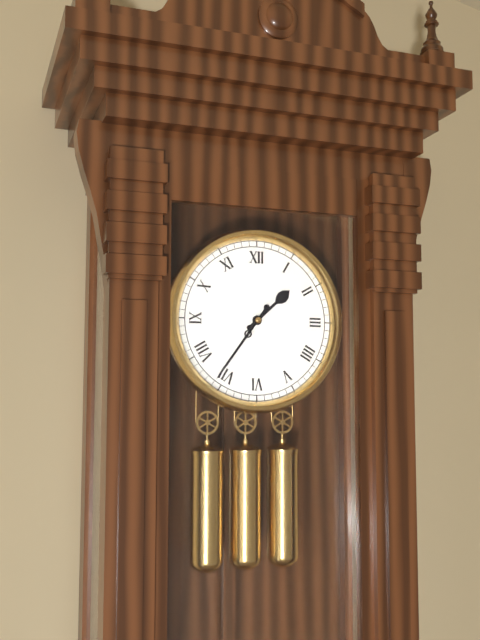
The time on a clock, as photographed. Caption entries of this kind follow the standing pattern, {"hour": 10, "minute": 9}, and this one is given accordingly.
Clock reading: {"hour": 1, "minute": 36}
